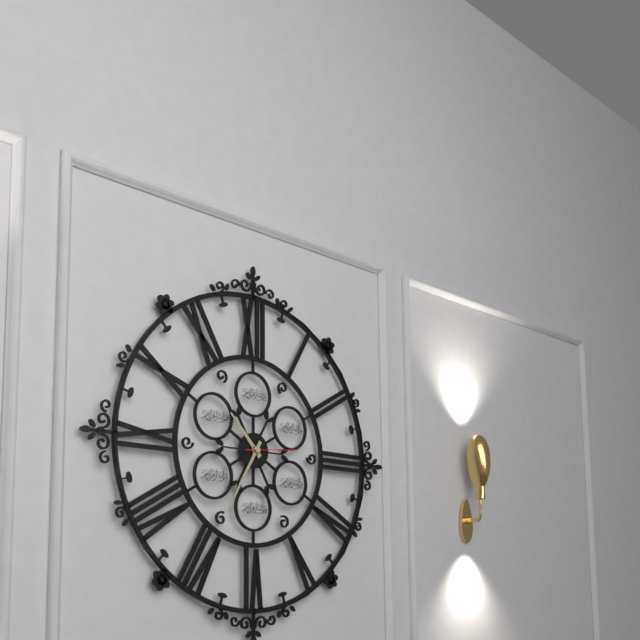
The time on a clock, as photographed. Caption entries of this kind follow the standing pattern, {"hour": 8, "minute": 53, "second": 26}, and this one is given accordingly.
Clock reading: {"hour": 10, "minute": 35, "second": 14}
